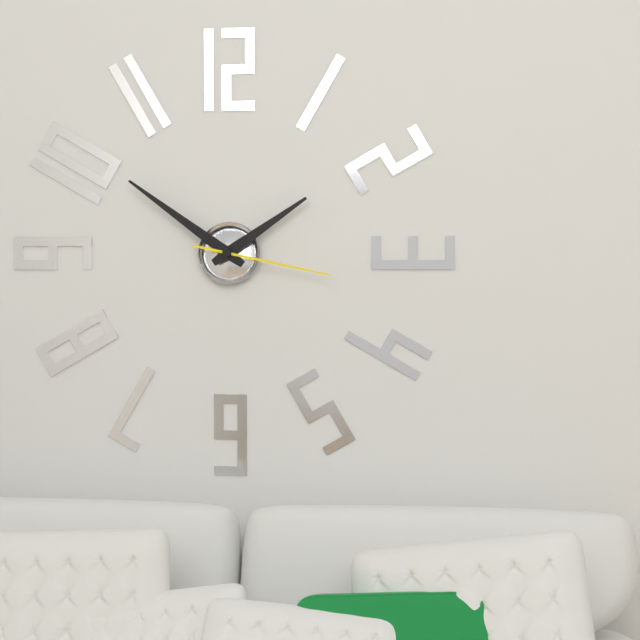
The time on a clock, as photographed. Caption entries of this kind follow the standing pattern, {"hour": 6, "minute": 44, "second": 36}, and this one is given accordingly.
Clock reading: {"hour": 1, "minute": 51, "second": 17}
